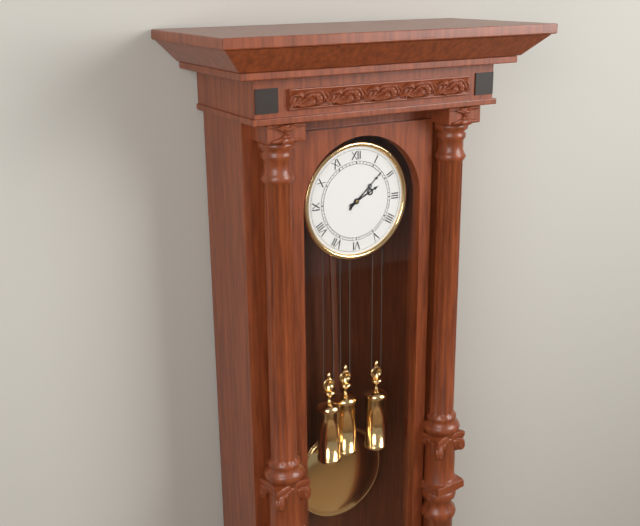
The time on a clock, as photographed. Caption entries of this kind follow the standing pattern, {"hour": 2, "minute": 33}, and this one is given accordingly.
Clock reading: {"hour": 2, "minute": 8}
